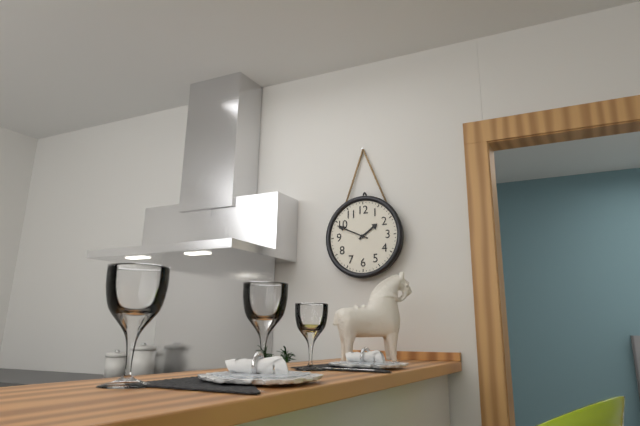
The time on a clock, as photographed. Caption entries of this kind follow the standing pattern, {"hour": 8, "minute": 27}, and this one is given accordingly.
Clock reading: {"hour": 1, "minute": 49}
